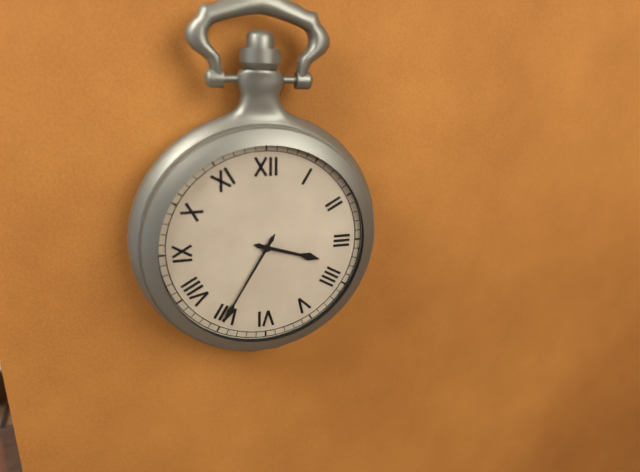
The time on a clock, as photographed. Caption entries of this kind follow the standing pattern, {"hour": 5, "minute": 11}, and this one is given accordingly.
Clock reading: {"hour": 3, "minute": 35}
